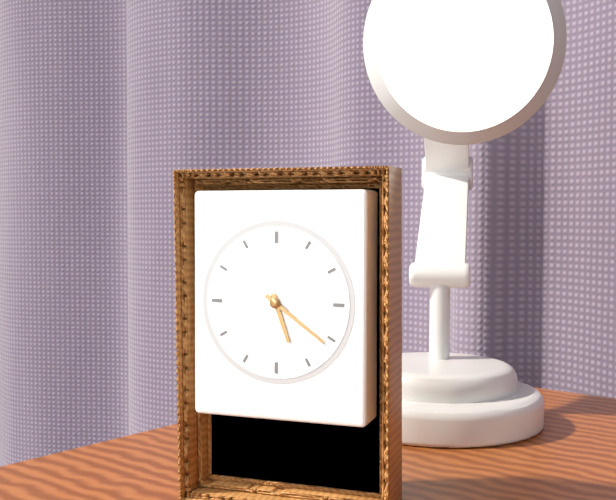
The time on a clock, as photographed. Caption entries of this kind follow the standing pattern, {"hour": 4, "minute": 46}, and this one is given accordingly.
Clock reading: {"hour": 5, "minute": 21}
